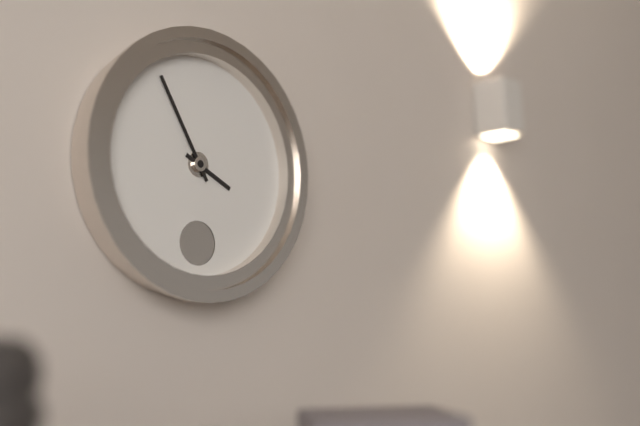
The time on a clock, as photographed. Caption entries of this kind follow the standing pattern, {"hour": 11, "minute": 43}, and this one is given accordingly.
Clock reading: {"hour": 3, "minute": 55}
